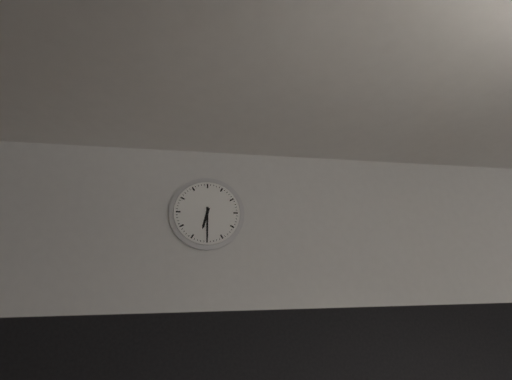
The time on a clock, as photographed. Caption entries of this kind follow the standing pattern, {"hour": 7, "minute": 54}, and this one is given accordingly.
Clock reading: {"hour": 6, "minute": 30}
